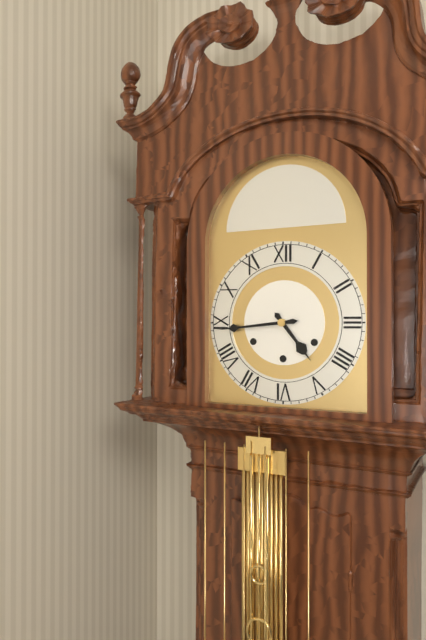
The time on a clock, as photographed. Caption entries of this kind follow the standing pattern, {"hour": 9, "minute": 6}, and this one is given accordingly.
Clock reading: {"hour": 4, "minute": 44}
